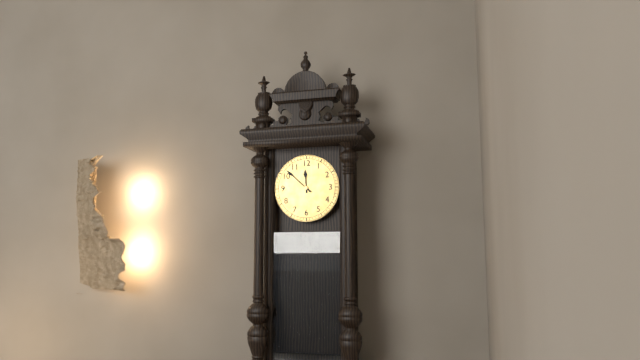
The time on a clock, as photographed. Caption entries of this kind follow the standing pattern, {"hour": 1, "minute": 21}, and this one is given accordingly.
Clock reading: {"hour": 11, "minute": 52}
